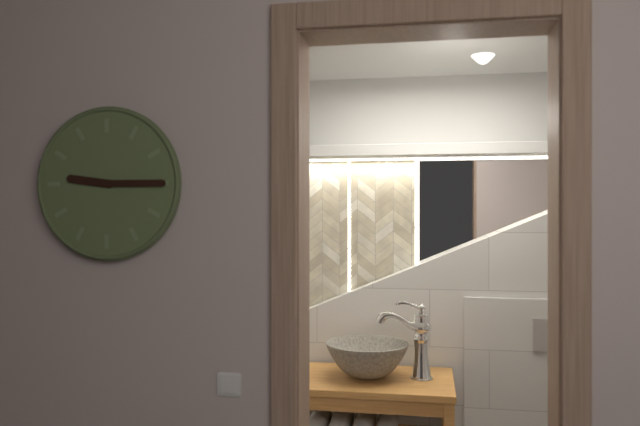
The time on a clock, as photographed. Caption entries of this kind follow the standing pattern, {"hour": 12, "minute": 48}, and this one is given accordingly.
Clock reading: {"hour": 9, "minute": 15}
